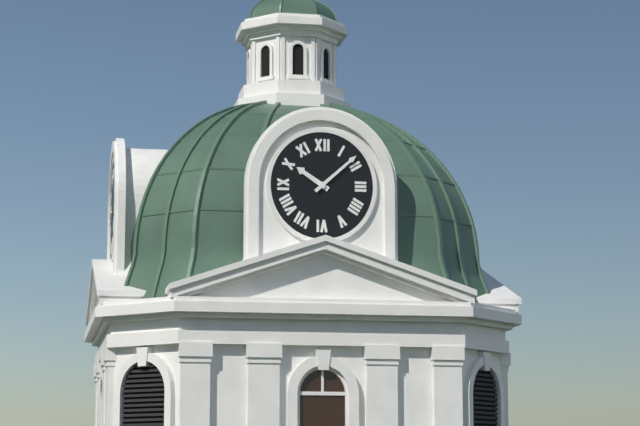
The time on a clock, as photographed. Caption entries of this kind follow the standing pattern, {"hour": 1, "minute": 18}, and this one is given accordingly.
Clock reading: {"hour": 10, "minute": 8}
